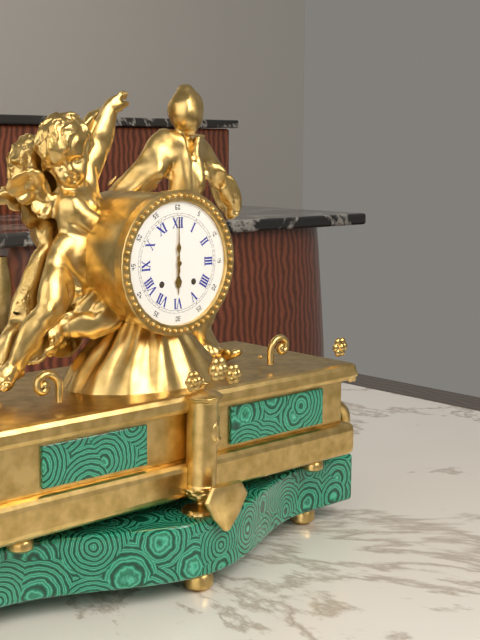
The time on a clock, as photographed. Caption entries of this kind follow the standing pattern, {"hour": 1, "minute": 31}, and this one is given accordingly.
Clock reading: {"hour": 6, "minute": 0}
